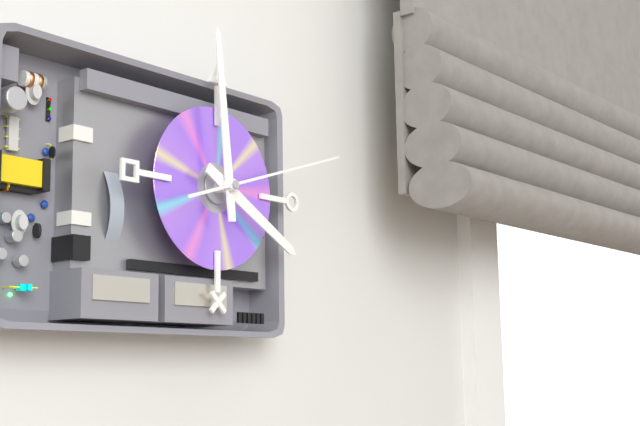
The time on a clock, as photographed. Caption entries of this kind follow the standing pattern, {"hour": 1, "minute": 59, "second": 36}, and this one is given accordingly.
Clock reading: {"hour": 3, "minute": 59, "second": 12}
